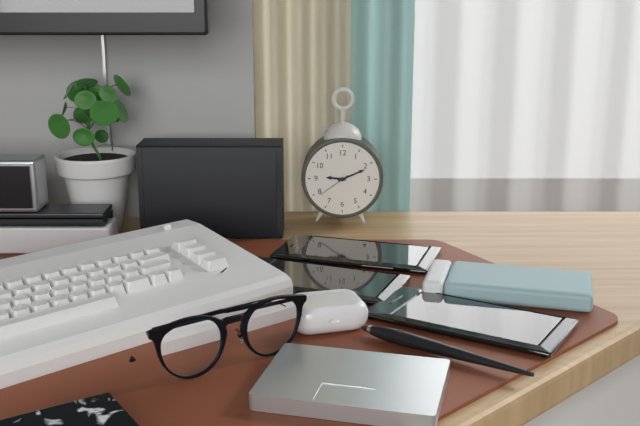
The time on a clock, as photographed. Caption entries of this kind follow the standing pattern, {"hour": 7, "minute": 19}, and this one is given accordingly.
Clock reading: {"hour": 9, "minute": 11}
